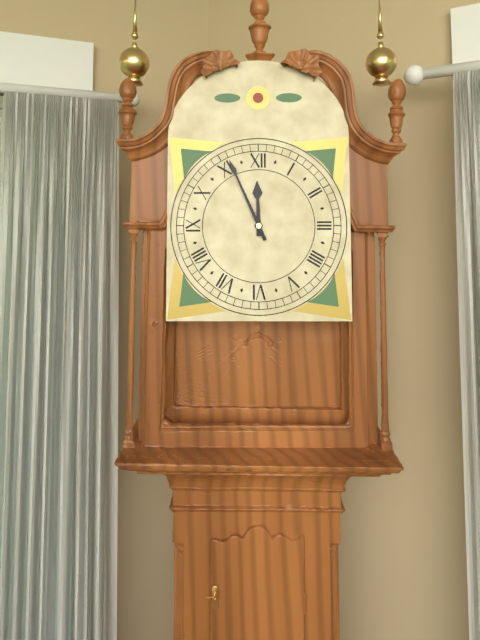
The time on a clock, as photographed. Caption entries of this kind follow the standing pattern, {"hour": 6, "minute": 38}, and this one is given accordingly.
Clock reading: {"hour": 11, "minute": 56}
